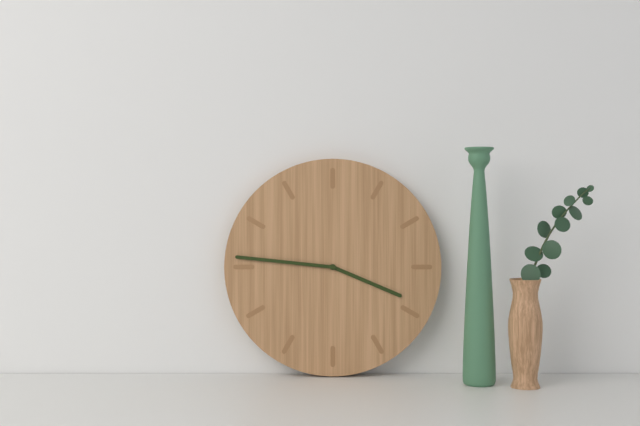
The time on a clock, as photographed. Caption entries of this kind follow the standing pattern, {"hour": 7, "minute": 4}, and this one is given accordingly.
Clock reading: {"hour": 3, "minute": 46}
